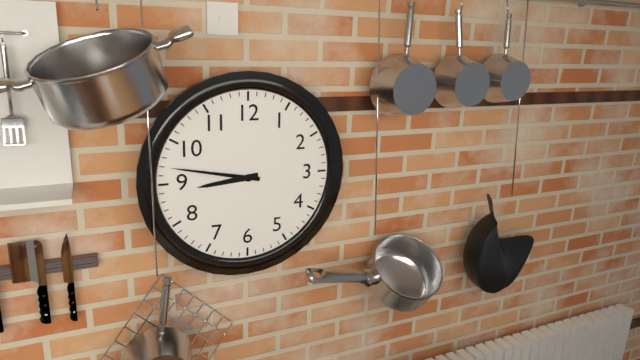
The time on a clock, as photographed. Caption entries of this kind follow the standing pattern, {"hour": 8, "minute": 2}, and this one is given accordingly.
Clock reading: {"hour": 8, "minute": 47}
